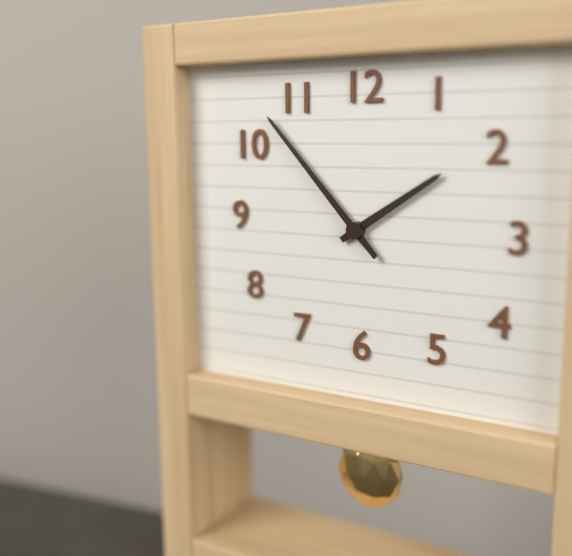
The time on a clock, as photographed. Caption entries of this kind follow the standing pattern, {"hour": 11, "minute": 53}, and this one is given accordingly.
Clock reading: {"hour": 1, "minute": 53}
